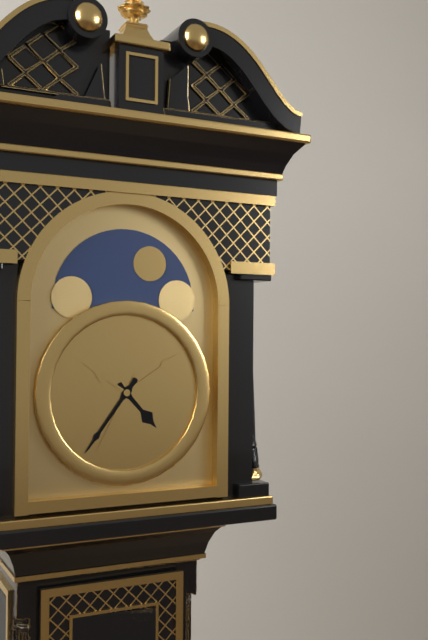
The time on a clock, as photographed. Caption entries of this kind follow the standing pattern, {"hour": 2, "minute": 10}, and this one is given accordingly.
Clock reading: {"hour": 4, "minute": 36}
